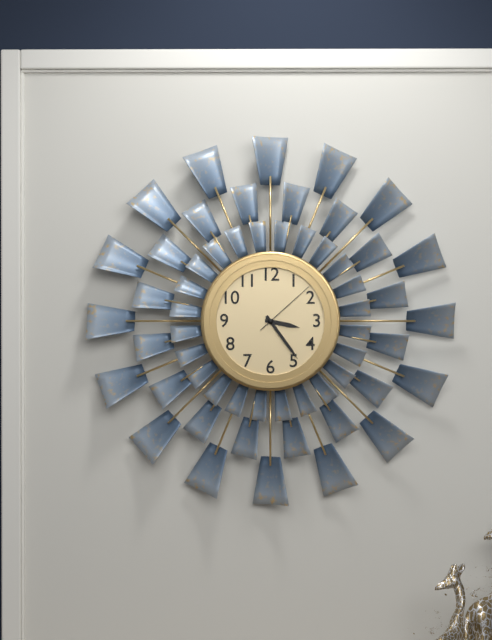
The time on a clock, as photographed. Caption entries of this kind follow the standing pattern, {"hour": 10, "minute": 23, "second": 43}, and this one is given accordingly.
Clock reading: {"hour": 3, "minute": 24, "second": 8}
